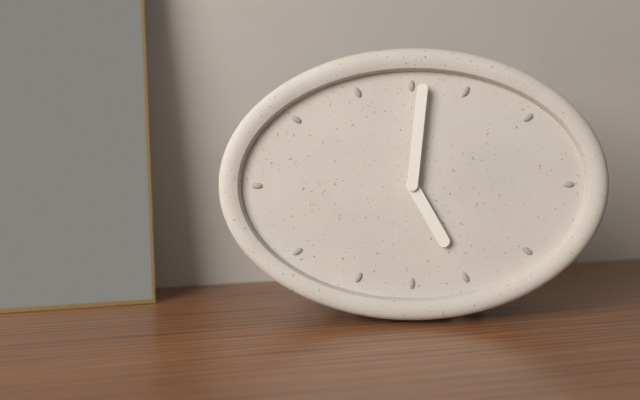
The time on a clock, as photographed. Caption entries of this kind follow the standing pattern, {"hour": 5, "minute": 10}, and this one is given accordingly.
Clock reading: {"hour": 5, "minute": 1}
